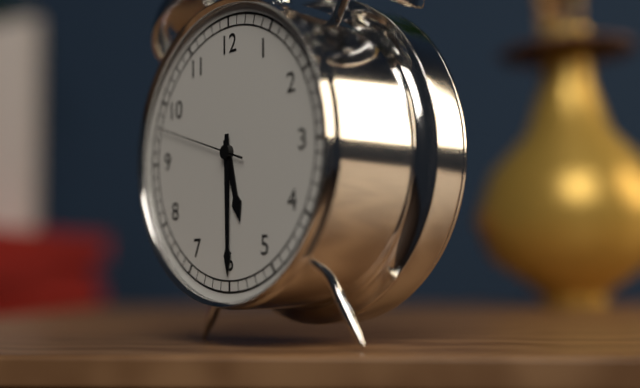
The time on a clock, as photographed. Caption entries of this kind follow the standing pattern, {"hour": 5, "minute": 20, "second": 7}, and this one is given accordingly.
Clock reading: {"hour": 5, "minute": 30, "second": 48}
